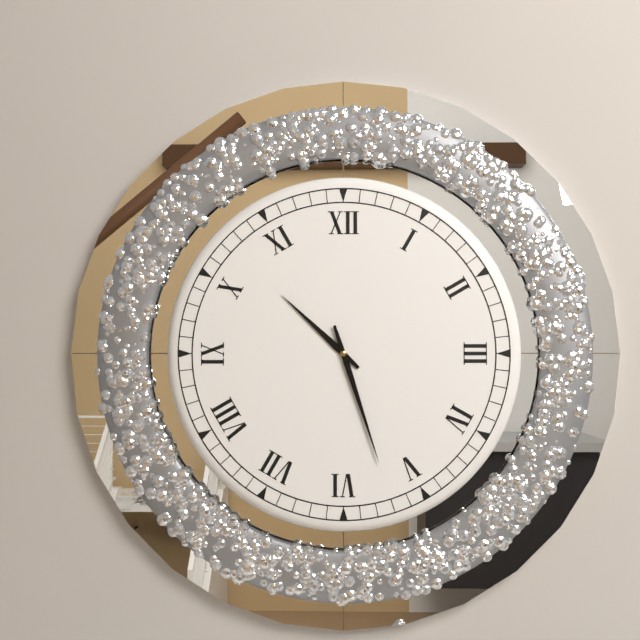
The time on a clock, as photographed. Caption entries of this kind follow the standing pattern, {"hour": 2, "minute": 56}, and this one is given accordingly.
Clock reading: {"hour": 10, "minute": 27}
